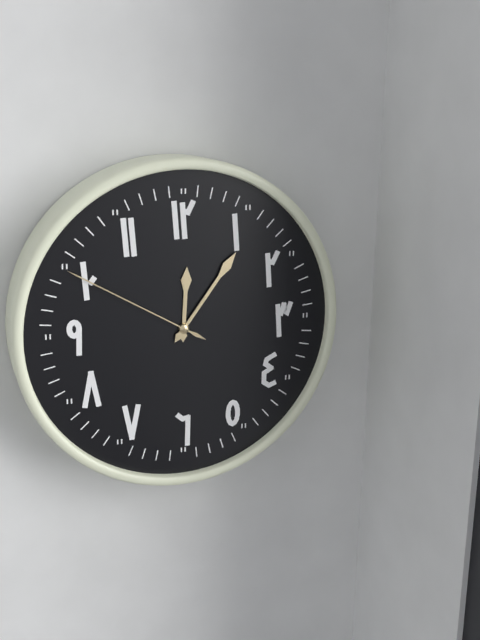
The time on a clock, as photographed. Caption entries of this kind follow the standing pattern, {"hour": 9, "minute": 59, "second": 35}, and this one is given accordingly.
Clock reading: {"hour": 12, "minute": 6, "second": 50}
